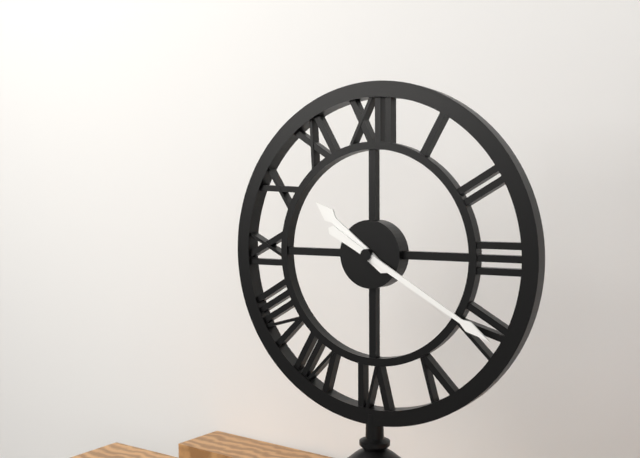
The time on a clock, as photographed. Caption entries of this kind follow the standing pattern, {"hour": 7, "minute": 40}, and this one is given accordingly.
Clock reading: {"hour": 10, "minute": 20}
